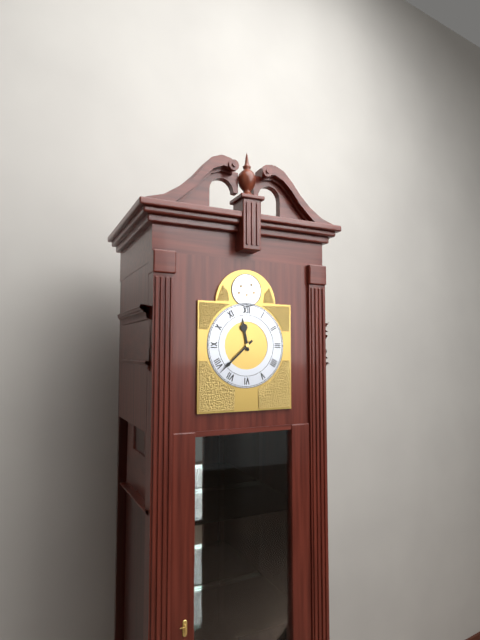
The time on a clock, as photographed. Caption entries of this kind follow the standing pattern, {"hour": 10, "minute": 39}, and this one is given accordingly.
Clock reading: {"hour": 11, "minute": 38}
